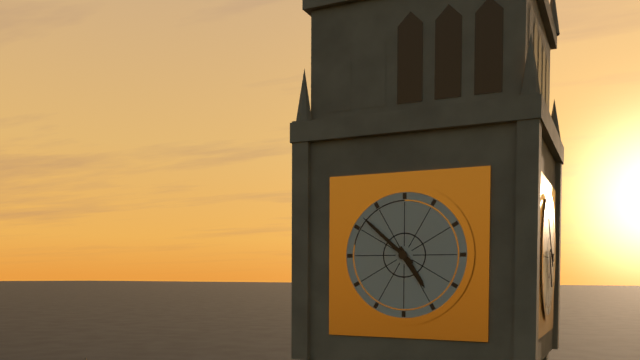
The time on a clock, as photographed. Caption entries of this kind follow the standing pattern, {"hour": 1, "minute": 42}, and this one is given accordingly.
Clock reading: {"hour": 4, "minute": 52}
